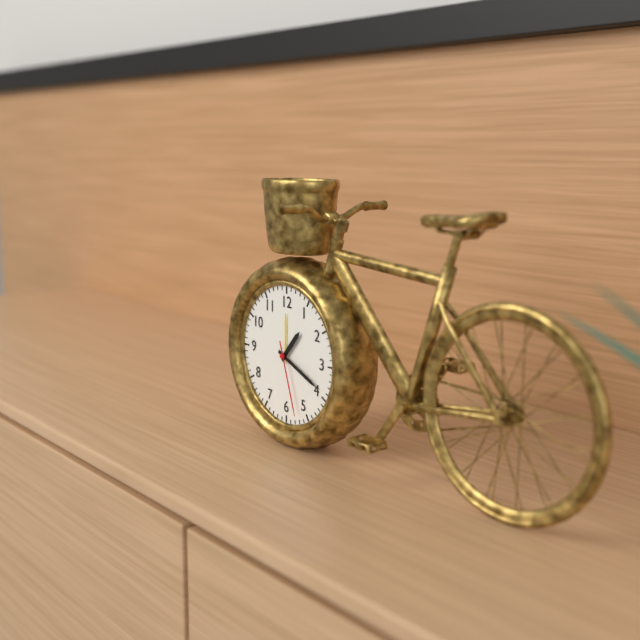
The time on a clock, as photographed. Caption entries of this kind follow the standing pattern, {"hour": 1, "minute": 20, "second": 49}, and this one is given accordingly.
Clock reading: {"hour": 1, "minute": 19, "second": 27}
